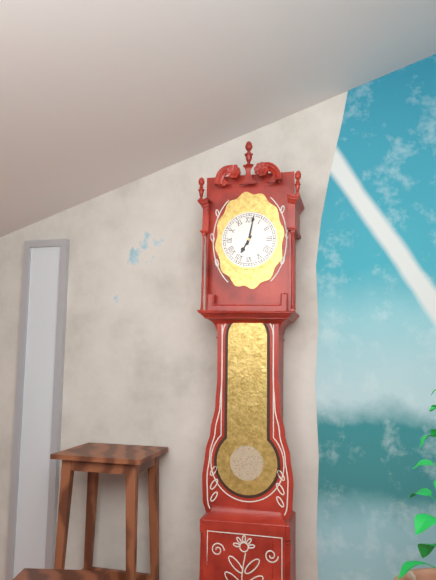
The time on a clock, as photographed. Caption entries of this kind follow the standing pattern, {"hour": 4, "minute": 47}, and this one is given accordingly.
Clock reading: {"hour": 7, "minute": 2}
